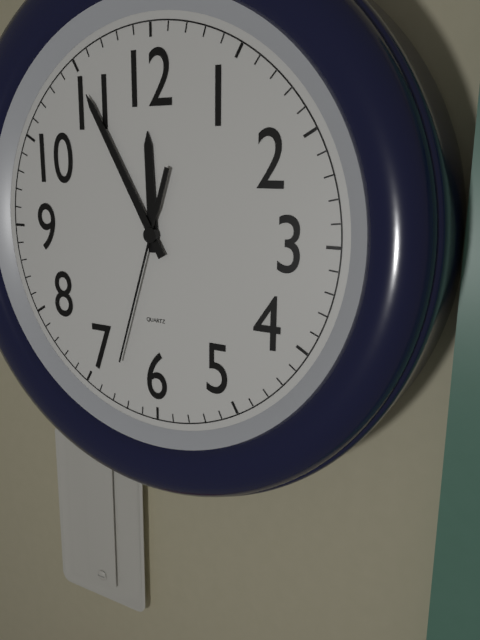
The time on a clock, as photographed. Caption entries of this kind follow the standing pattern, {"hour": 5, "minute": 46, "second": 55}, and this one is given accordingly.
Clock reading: {"hour": 11, "minute": 55, "second": 33}
